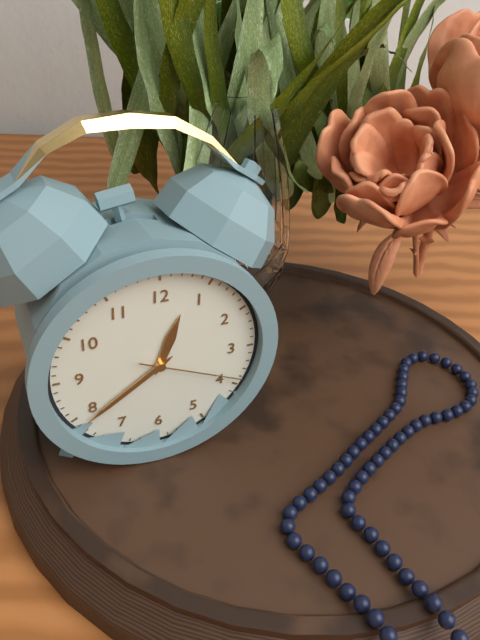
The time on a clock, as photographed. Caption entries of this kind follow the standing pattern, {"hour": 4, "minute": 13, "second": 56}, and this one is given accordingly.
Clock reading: {"hour": 12, "minute": 39, "second": 19}
